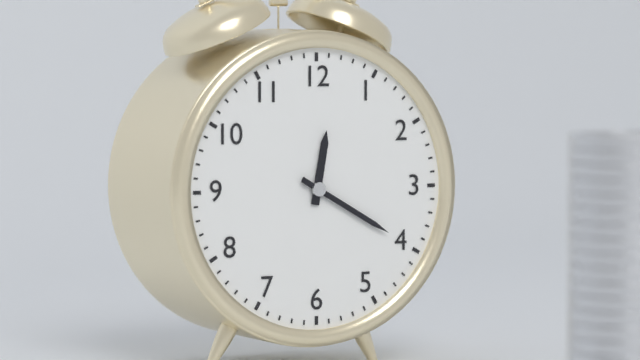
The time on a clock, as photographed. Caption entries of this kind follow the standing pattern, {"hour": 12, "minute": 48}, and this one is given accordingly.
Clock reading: {"hour": 12, "minute": 20}
